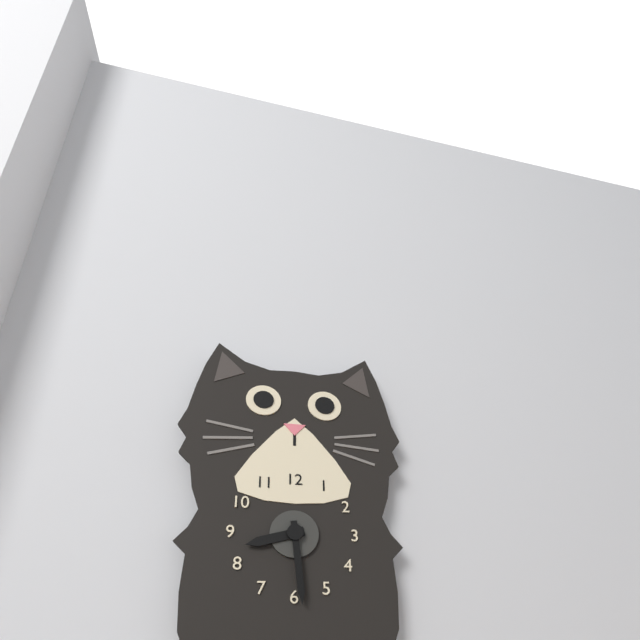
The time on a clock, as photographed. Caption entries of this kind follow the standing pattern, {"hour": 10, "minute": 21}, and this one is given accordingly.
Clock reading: {"hour": 8, "minute": 29}
